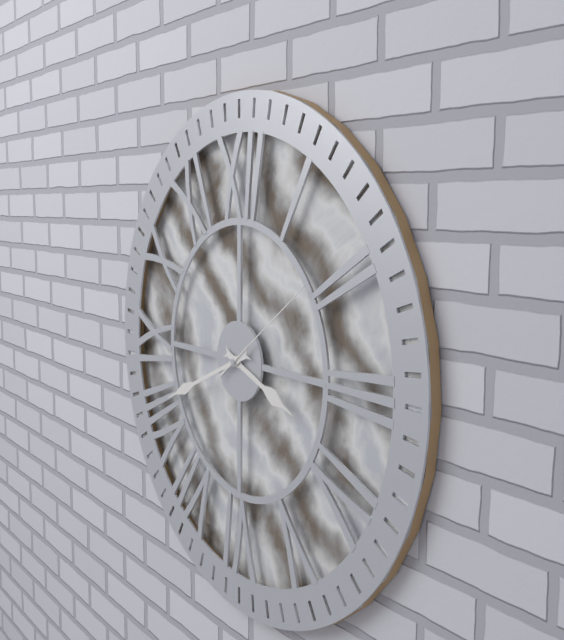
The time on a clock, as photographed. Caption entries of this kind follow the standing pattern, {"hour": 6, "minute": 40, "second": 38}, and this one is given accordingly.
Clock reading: {"hour": 3, "minute": 41, "second": 9}
